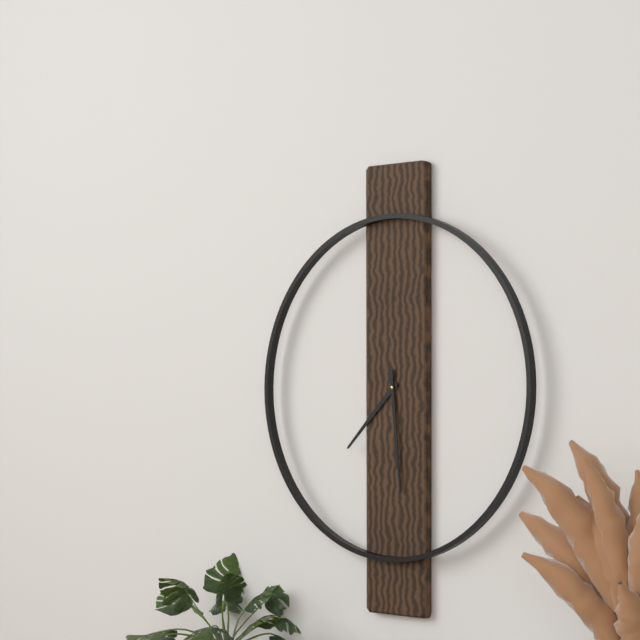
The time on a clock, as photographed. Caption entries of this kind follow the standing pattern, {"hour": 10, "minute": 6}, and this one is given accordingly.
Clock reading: {"hour": 7, "minute": 29}
